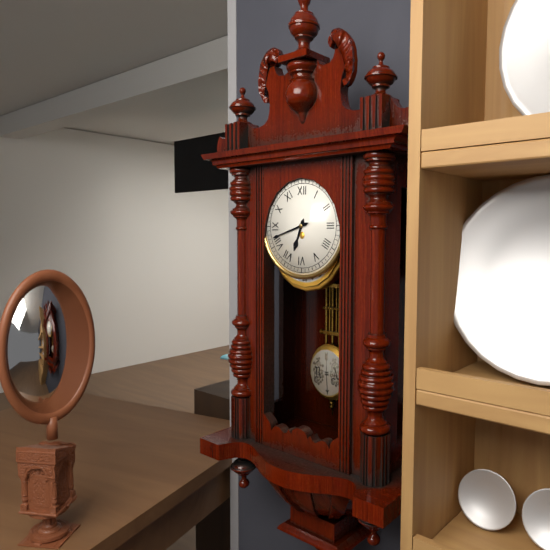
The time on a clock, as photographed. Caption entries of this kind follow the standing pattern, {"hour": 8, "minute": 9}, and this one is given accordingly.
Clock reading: {"hour": 6, "minute": 42}
